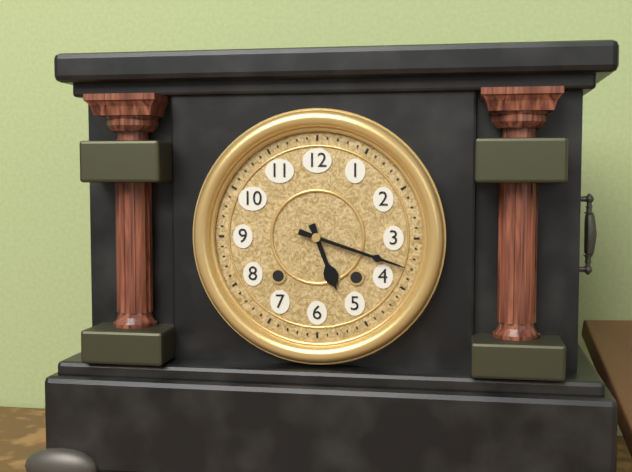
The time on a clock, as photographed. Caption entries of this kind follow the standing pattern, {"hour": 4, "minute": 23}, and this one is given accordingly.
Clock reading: {"hour": 5, "minute": 18}
